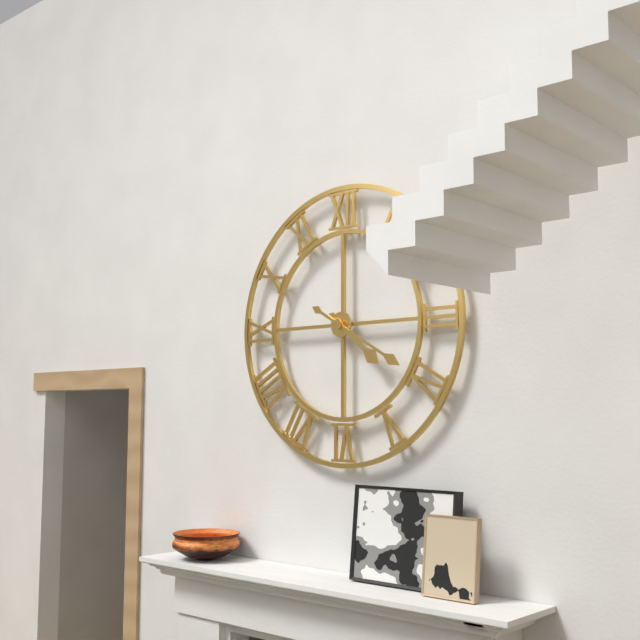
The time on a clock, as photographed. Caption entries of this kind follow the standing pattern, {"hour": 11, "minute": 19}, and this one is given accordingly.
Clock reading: {"hour": 4, "minute": 20}
